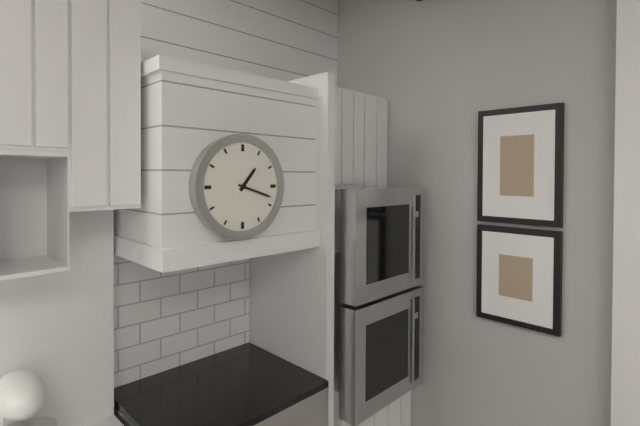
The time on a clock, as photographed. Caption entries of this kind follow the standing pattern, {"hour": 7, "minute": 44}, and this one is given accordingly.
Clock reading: {"hour": 1, "minute": 18}
